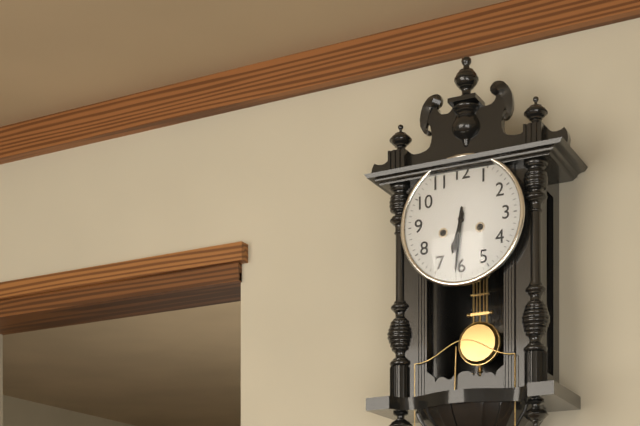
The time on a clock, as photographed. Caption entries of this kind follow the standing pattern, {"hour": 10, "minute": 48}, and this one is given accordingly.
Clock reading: {"hour": 6, "minute": 31}
